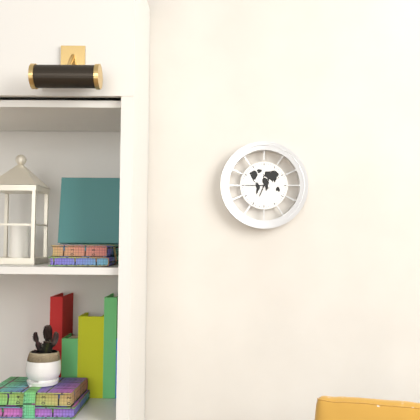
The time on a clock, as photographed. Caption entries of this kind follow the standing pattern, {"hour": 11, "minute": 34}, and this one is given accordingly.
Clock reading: {"hour": 6, "minute": 45}
